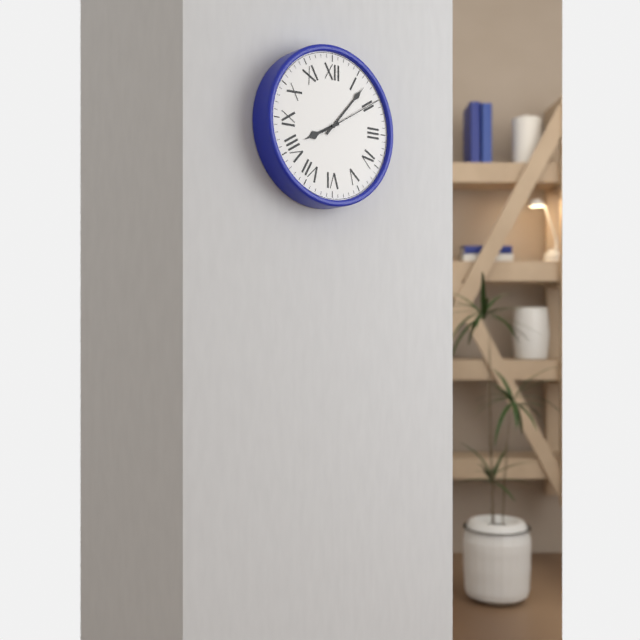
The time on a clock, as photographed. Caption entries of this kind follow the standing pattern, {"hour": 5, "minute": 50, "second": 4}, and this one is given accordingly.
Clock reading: {"hour": 8, "minute": 7, "second": 10}
